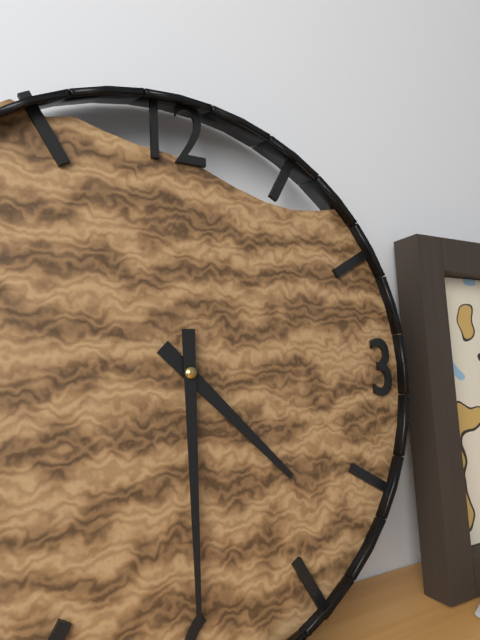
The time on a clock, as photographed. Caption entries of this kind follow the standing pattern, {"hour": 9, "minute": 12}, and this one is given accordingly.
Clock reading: {"hour": 4, "minute": 30}
